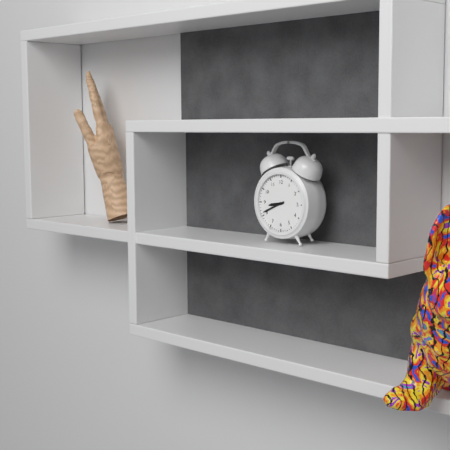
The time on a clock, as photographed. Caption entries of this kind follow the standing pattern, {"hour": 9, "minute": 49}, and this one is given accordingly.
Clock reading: {"hour": 8, "minute": 41}
